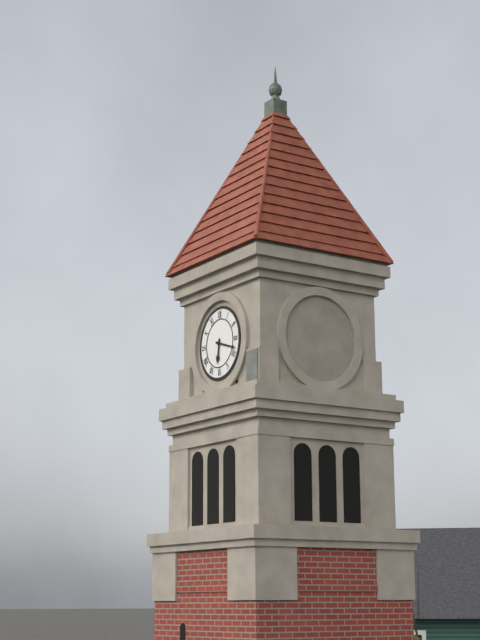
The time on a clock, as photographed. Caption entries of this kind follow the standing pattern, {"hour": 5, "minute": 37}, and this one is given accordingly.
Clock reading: {"hour": 6, "minute": 18}
